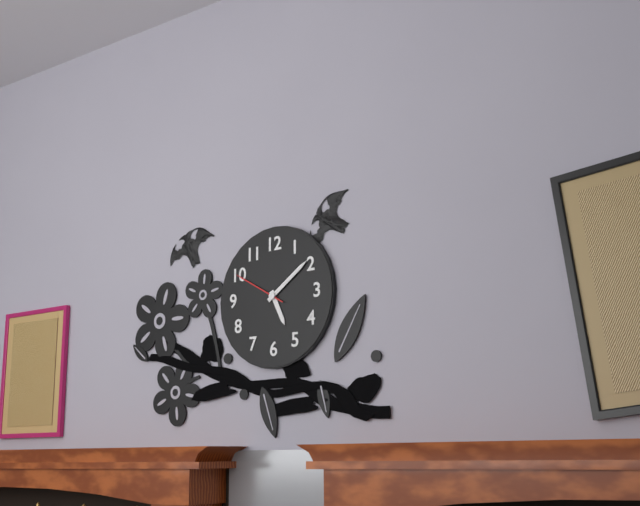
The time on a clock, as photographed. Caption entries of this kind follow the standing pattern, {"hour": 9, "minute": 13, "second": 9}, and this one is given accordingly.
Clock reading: {"hour": 5, "minute": 9, "second": 50}
